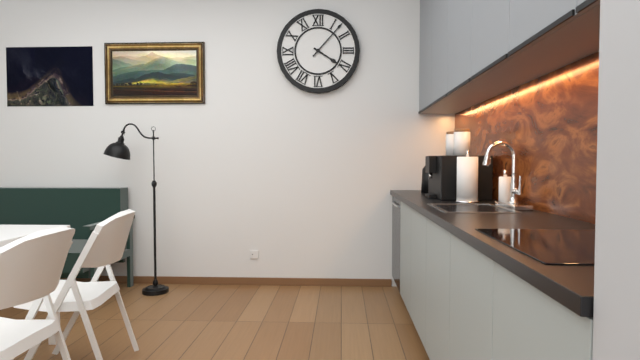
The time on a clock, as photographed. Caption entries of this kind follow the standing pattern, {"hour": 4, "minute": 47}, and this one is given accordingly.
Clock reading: {"hour": 4, "minute": 7}
